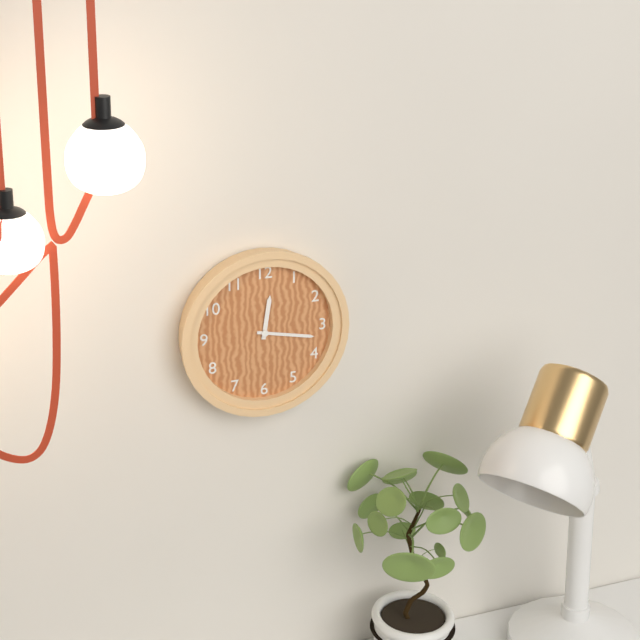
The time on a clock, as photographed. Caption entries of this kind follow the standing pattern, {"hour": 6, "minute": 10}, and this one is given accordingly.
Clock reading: {"hour": 12, "minute": 17}
